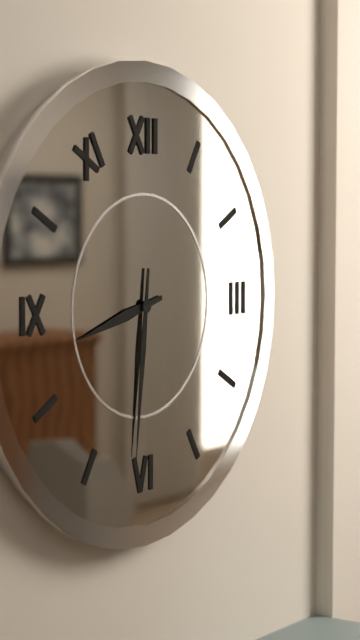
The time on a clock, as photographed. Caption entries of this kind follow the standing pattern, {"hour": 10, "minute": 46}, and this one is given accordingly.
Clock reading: {"hour": 8, "minute": 31}
